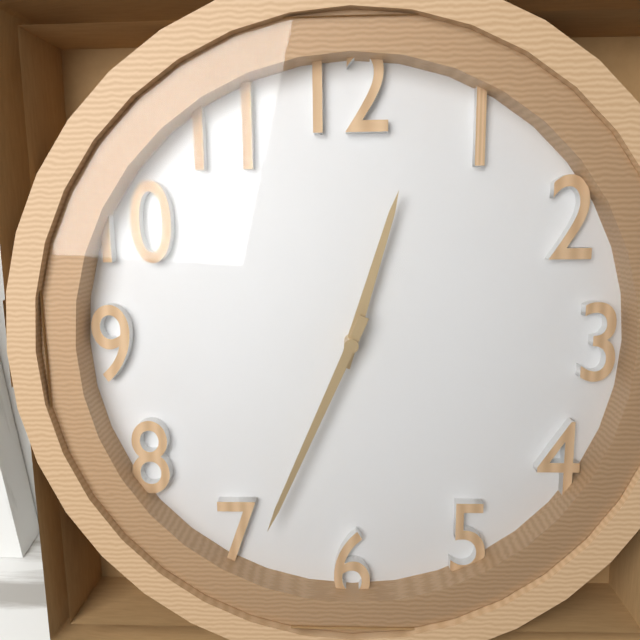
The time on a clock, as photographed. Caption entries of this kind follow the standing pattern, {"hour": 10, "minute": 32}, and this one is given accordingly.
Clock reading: {"hour": 12, "minute": 34}
